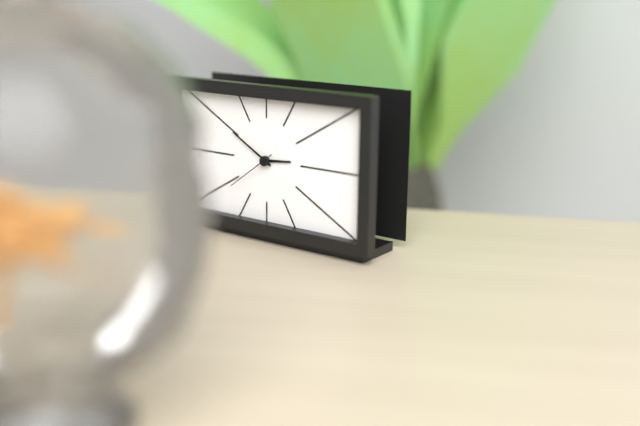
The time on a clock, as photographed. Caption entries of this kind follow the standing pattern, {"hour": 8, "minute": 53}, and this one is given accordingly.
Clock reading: {"hour": 2, "minute": 50}
